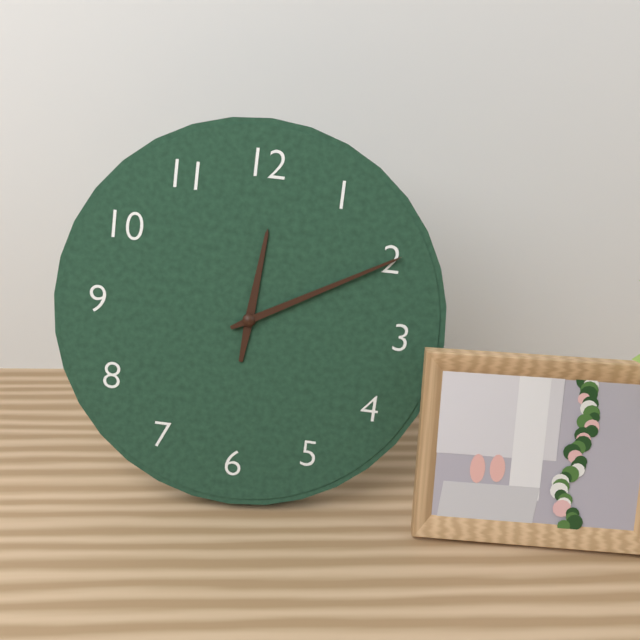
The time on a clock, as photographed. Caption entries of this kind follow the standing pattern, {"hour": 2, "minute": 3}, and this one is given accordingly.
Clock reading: {"hour": 12, "minute": 10}
